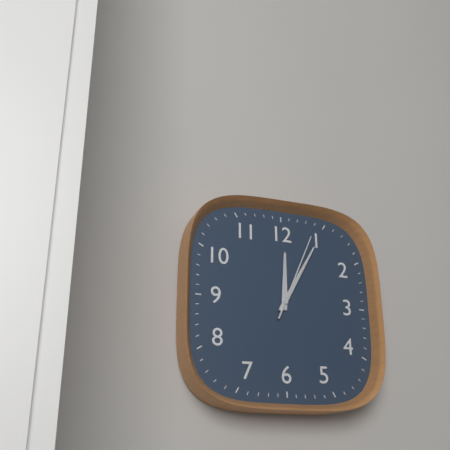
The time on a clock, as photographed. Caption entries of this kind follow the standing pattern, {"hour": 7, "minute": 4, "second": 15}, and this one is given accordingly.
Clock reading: {"hour": 12, "minute": 5, "second": 4}
